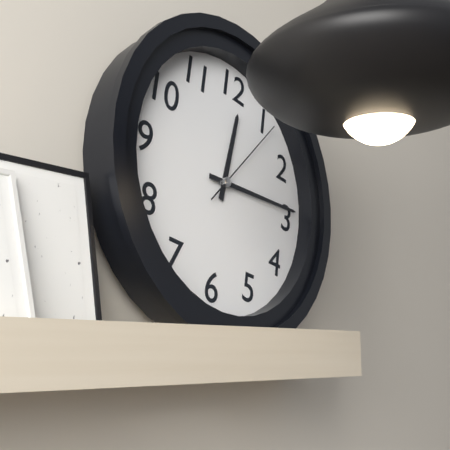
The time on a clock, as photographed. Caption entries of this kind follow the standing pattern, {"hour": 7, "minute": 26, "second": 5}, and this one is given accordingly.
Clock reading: {"hour": 12, "minute": 14, "second": 6}
